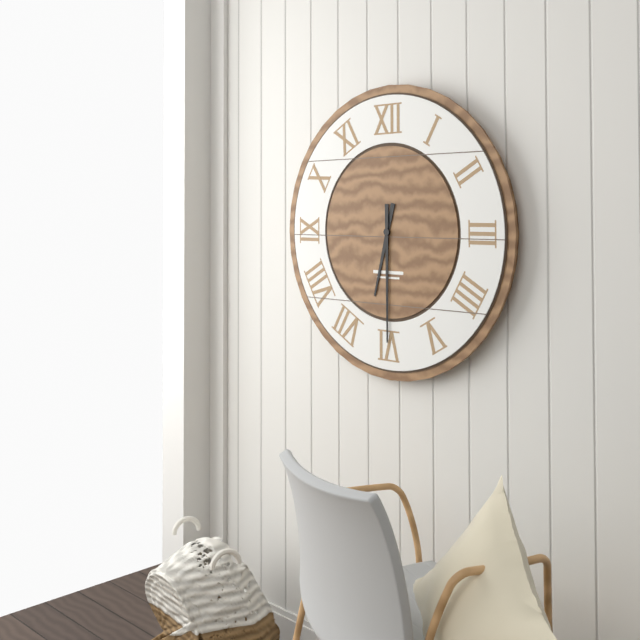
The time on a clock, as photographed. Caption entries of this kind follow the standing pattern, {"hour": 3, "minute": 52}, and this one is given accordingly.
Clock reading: {"hour": 6, "minute": 30}
